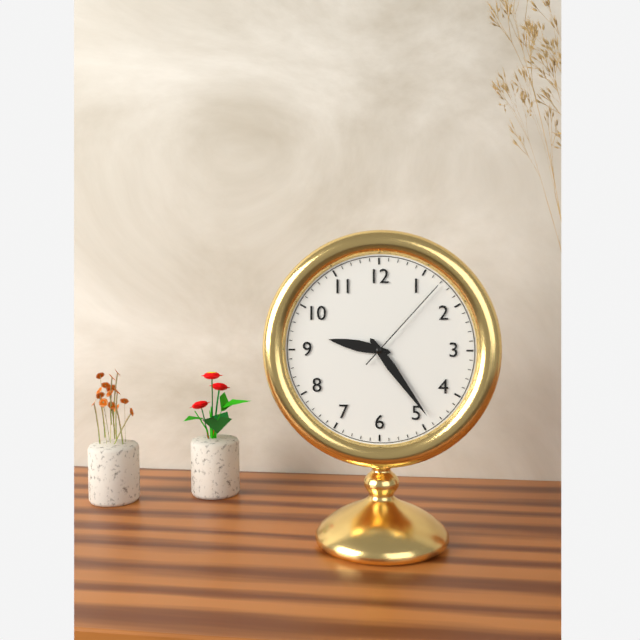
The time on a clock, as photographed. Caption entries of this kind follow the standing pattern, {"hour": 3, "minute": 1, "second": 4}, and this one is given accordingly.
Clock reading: {"hour": 9, "minute": 24, "second": 7}
